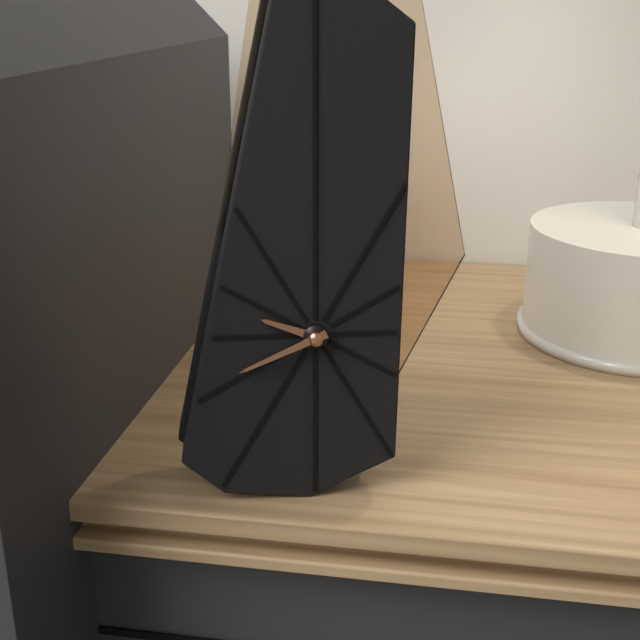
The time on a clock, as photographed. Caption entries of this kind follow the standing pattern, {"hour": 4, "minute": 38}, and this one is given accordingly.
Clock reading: {"hour": 9, "minute": 41}
